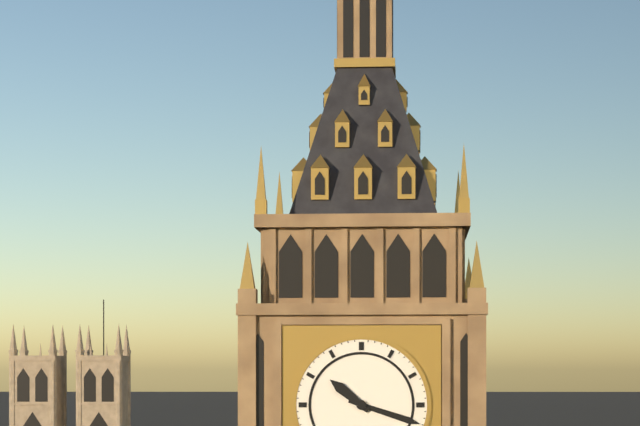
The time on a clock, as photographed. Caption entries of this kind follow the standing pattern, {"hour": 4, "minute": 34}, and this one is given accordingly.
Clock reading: {"hour": 10, "minute": 18}
